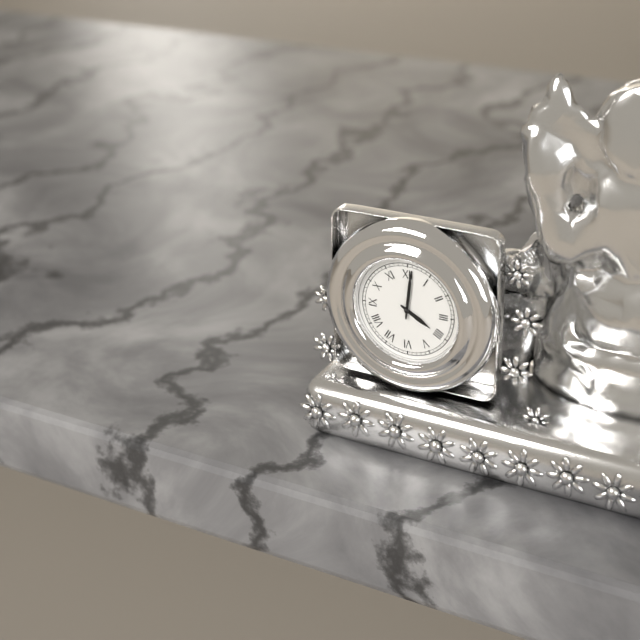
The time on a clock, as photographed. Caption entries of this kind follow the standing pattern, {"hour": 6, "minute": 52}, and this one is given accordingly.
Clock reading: {"hour": 4, "minute": 1}
